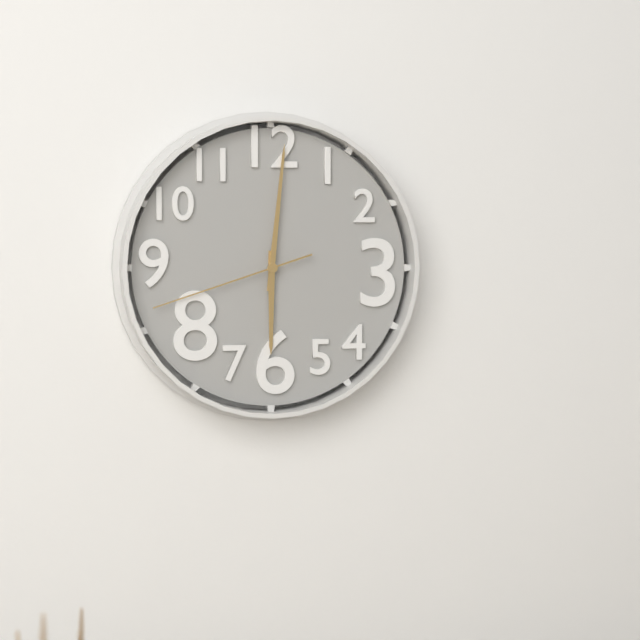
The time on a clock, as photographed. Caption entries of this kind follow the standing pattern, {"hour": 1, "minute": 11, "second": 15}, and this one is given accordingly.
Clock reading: {"hour": 6, "minute": 1, "second": 42}
